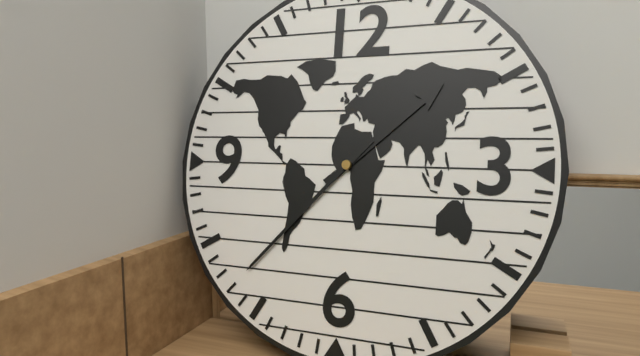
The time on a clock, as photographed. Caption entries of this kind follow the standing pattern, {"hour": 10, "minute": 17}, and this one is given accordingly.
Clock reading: {"hour": 1, "minute": 37}
